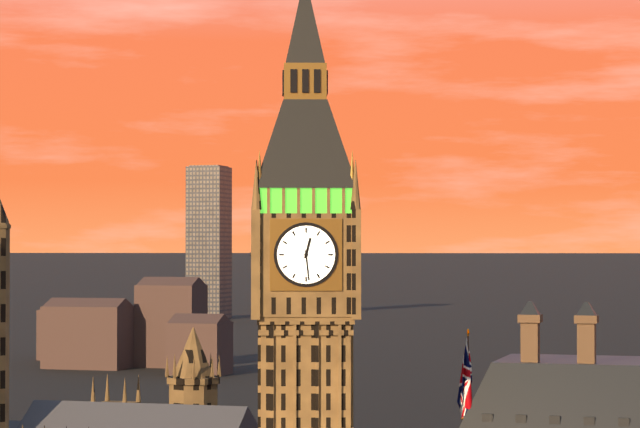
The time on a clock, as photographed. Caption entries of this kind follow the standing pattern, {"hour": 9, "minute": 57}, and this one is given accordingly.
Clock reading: {"hour": 12, "minute": 29}
